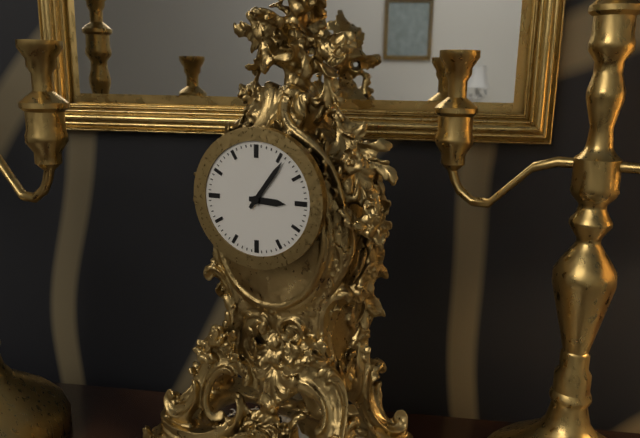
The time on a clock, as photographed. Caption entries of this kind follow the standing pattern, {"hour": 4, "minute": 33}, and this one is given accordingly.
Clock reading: {"hour": 3, "minute": 6}
